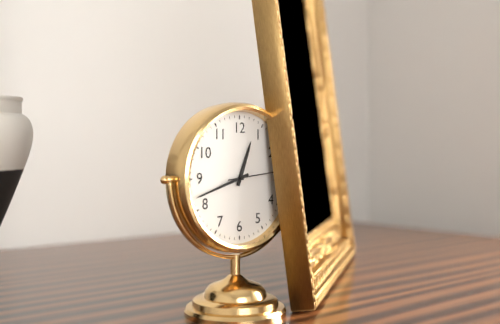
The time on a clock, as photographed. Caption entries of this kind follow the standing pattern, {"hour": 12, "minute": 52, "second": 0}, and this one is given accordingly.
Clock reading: {"hour": 12, "minute": 42, "second": 14}
